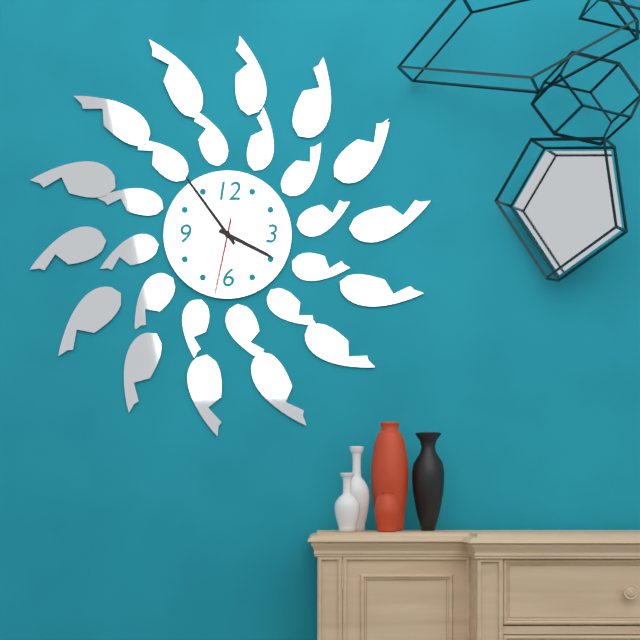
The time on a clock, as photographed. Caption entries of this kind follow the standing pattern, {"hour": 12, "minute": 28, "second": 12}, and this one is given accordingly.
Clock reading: {"hour": 3, "minute": 54, "second": 32}
